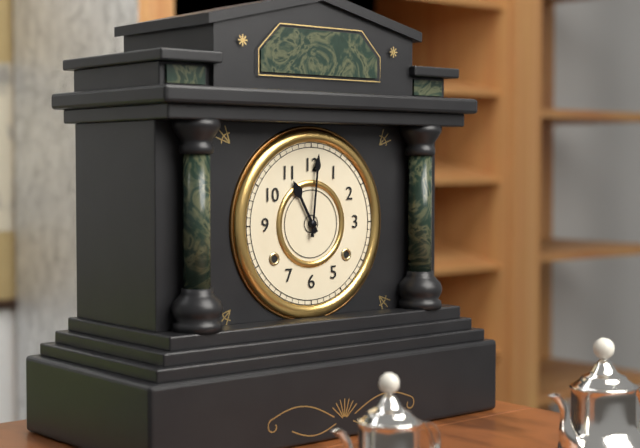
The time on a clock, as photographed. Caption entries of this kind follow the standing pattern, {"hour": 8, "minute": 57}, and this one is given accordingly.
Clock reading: {"hour": 11, "minute": 1}
